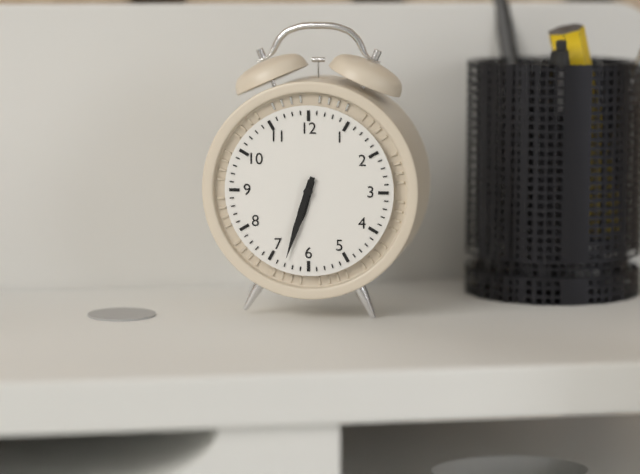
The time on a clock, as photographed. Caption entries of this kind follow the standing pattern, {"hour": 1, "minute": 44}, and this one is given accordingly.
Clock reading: {"hour": 6, "minute": 33}
